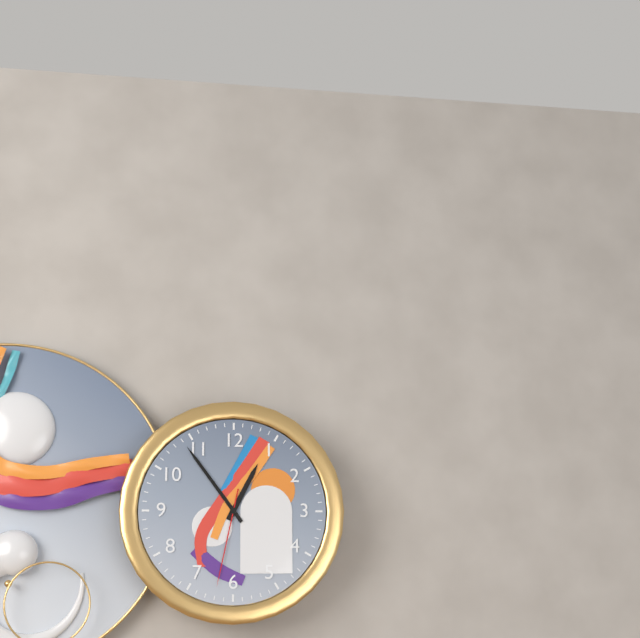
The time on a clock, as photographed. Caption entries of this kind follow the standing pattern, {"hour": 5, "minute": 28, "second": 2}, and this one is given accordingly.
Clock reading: {"hour": 12, "minute": 54, "second": 32}
